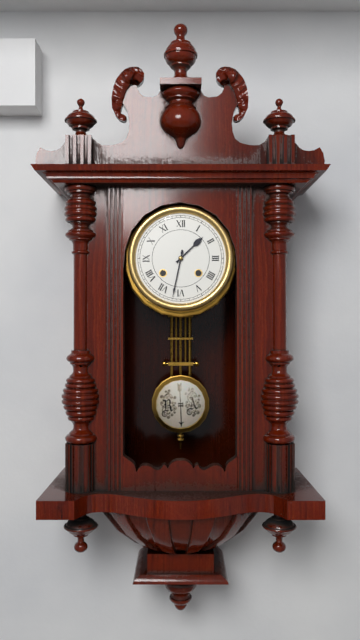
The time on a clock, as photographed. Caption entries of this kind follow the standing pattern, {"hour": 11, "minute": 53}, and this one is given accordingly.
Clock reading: {"hour": 1, "minute": 32}
